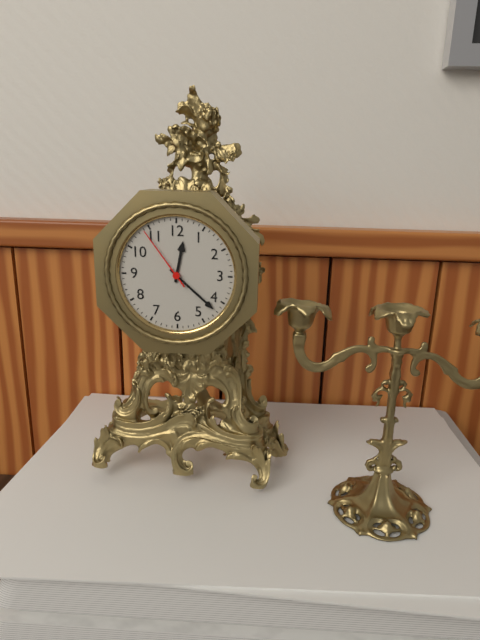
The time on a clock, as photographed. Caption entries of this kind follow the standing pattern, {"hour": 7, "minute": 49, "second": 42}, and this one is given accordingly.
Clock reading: {"hour": 12, "minute": 22, "second": 54}
